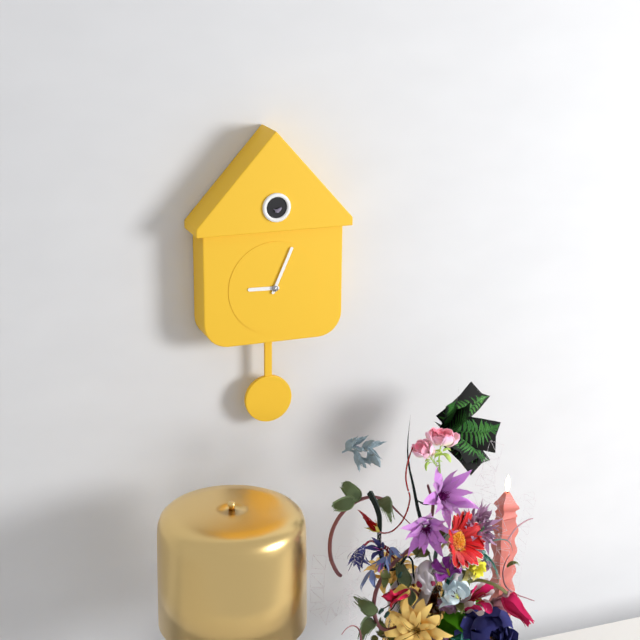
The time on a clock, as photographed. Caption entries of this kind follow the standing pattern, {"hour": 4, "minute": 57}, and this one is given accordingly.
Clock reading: {"hour": 9, "minute": 4}
